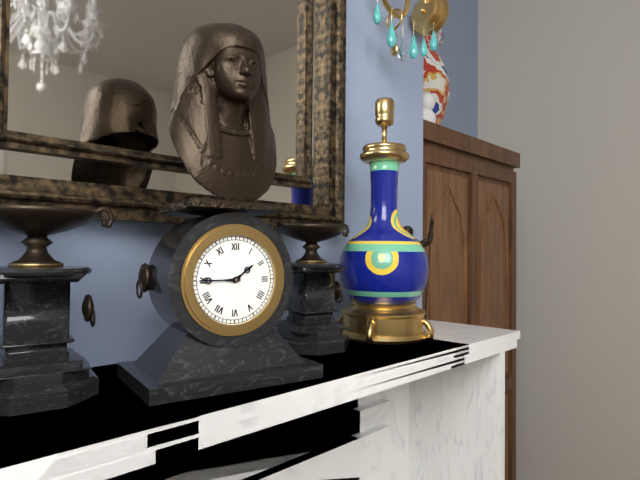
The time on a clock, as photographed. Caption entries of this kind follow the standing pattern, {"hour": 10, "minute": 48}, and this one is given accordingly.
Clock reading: {"hour": 1, "minute": 45}
